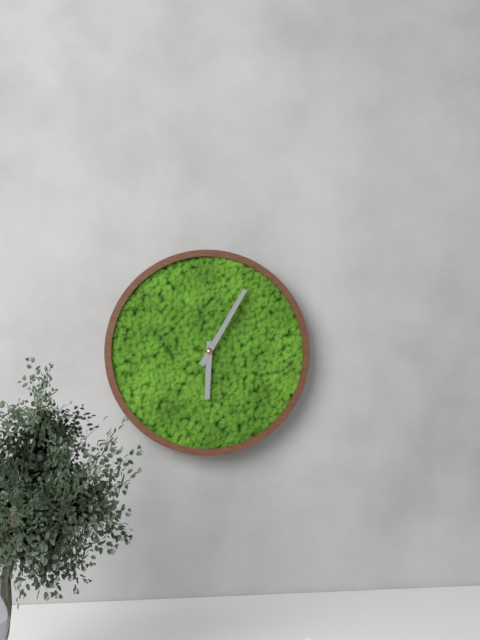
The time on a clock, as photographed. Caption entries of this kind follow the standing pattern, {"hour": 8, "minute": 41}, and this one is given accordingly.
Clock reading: {"hour": 6, "minute": 5}
